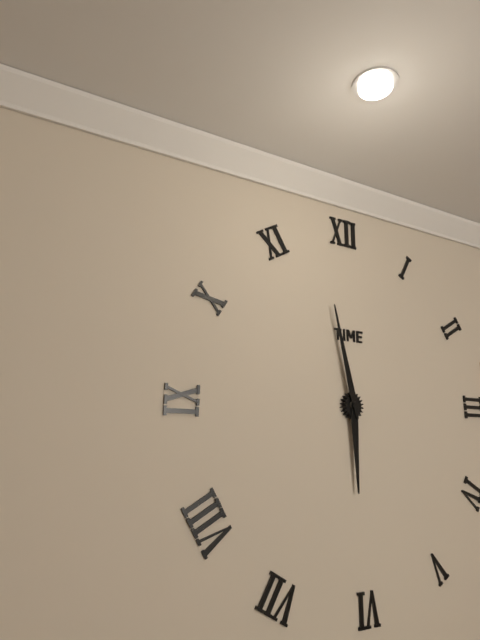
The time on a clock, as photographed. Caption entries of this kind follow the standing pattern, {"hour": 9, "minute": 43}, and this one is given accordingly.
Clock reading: {"hour": 5, "minute": 58}
